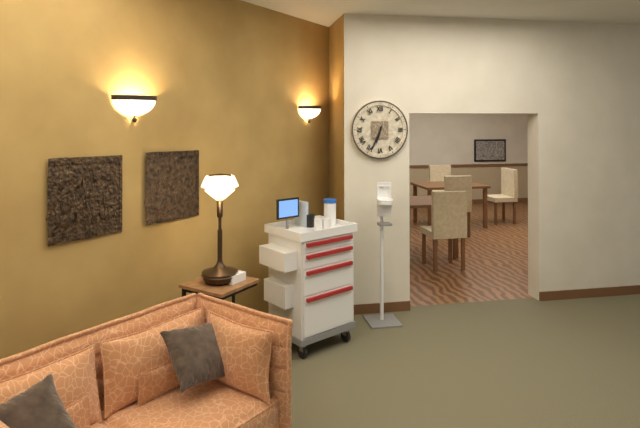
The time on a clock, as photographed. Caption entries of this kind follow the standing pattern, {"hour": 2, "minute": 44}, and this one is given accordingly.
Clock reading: {"hour": 6, "minute": 34}
